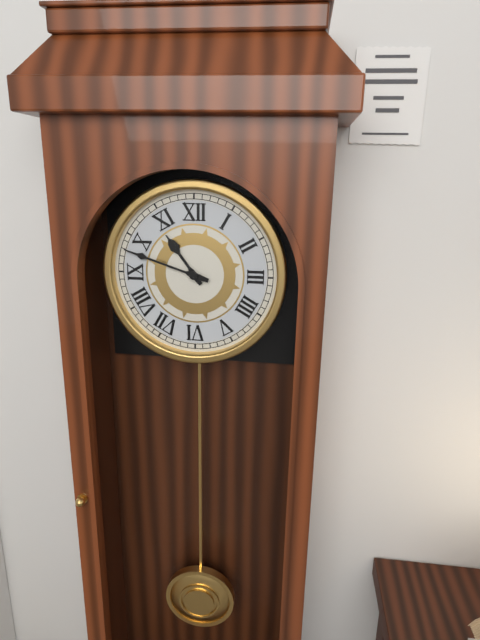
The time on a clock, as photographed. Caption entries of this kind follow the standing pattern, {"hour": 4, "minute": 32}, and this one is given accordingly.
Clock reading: {"hour": 10, "minute": 48}
